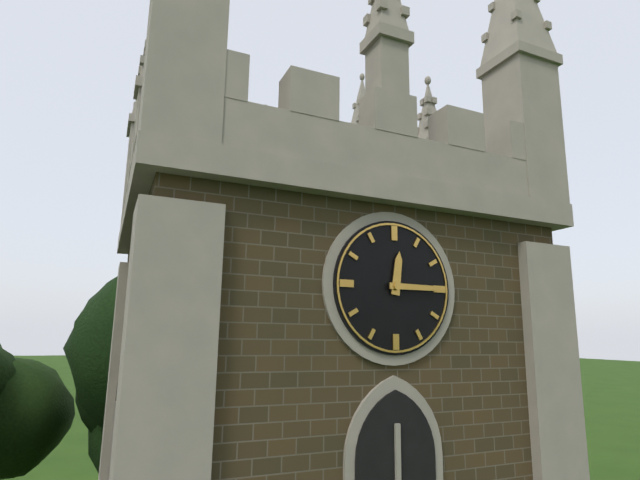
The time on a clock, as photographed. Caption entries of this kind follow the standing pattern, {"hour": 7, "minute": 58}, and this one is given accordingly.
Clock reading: {"hour": 12, "minute": 15}
